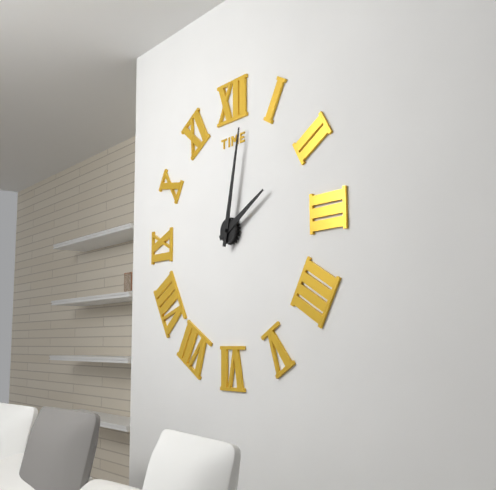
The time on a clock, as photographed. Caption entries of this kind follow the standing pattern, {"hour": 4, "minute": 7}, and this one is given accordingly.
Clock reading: {"hour": 2, "minute": 2}
